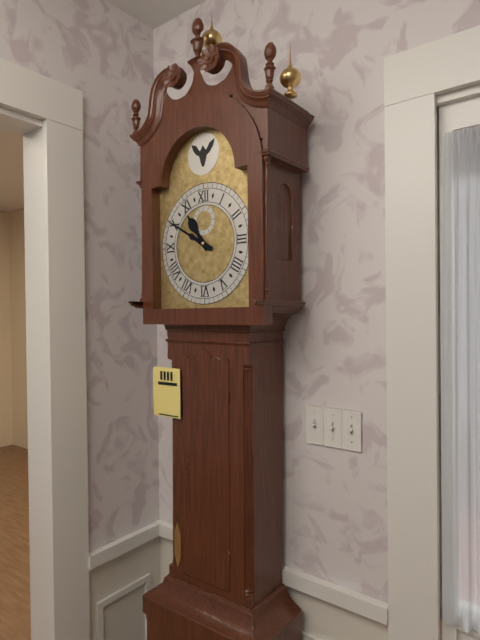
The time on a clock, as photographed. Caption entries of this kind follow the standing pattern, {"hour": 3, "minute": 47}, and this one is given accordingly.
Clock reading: {"hour": 10, "minute": 50}
